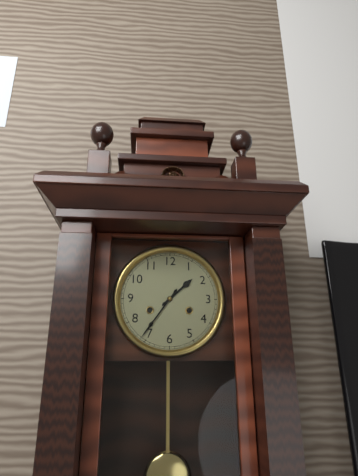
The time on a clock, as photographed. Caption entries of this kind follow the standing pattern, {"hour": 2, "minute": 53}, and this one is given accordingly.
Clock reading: {"hour": 1, "minute": 36}
